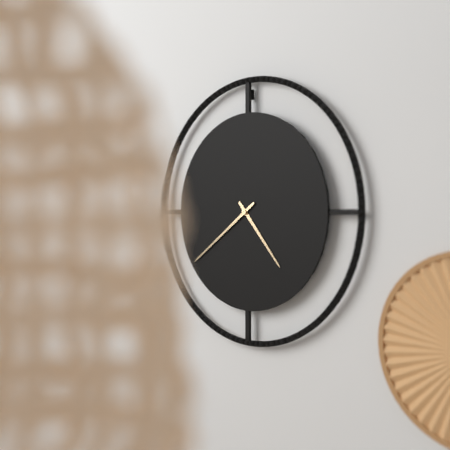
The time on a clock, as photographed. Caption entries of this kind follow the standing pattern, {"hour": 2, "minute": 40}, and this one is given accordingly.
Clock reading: {"hour": 4, "minute": 39}
